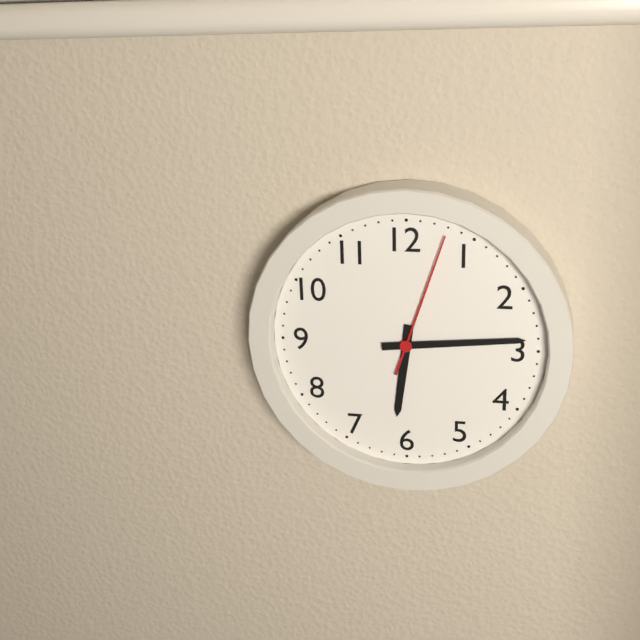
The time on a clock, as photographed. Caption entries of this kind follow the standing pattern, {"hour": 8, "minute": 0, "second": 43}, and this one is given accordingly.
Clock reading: {"hour": 6, "minute": 14, "second": 3}
